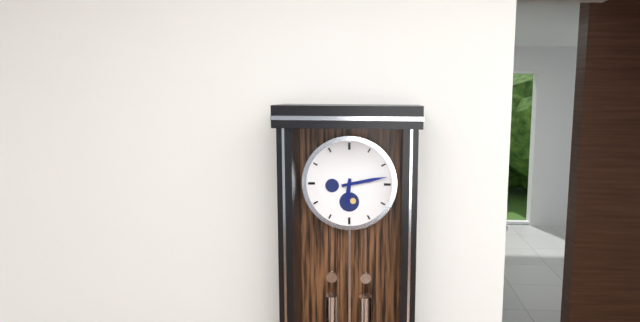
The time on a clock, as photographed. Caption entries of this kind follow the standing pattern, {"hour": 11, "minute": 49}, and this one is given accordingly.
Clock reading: {"hour": 6, "minute": 13}
